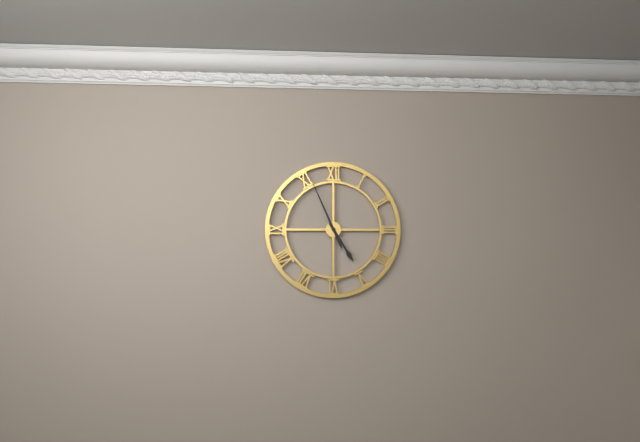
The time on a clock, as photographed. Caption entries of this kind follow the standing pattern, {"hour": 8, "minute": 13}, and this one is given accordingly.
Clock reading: {"hour": 4, "minute": 56}
